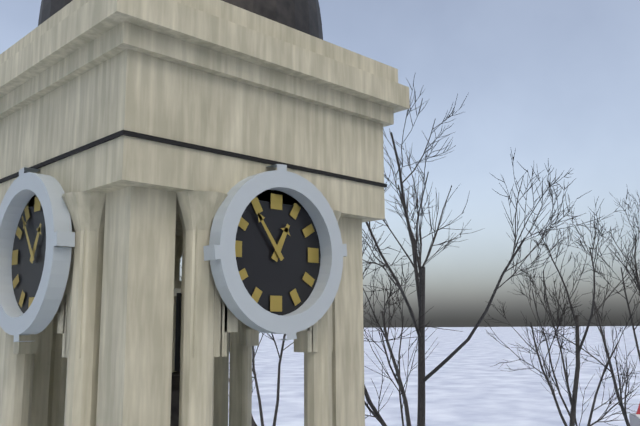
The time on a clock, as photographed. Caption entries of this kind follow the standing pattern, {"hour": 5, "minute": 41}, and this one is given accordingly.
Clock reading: {"hour": 12, "minute": 54}
